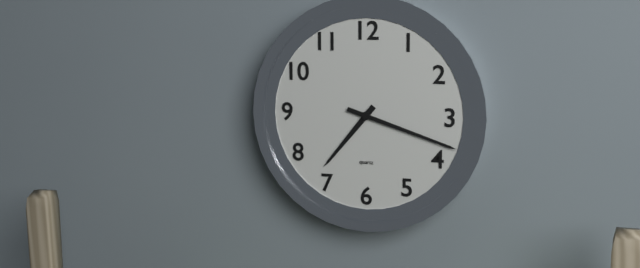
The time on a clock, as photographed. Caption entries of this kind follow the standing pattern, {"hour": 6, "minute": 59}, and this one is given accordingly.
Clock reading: {"hour": 7, "minute": 18}
